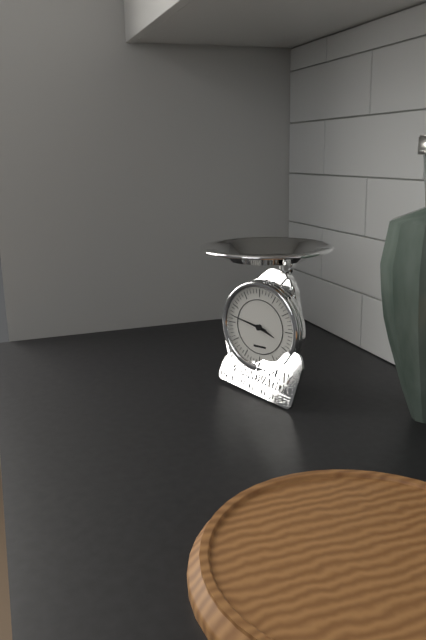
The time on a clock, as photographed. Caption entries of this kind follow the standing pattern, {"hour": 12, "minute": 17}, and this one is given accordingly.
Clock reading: {"hour": 3, "minute": 47}
